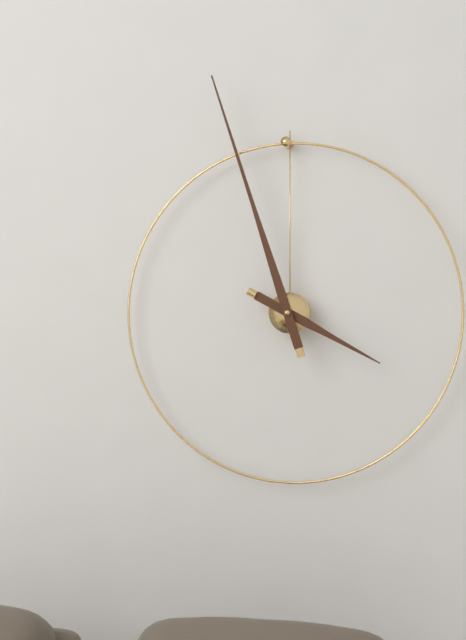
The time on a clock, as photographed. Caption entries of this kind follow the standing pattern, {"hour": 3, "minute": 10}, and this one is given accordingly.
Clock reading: {"hour": 3, "minute": 57}
